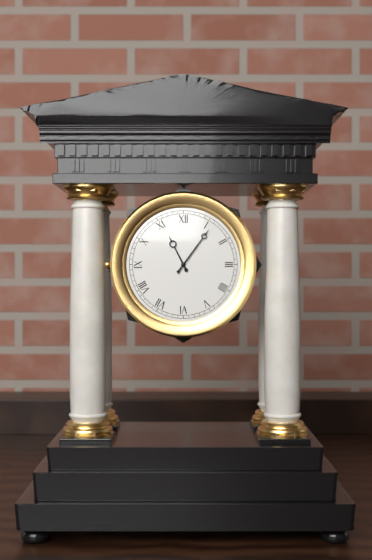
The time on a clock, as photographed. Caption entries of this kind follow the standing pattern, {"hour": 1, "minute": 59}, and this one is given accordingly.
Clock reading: {"hour": 11, "minute": 6}
